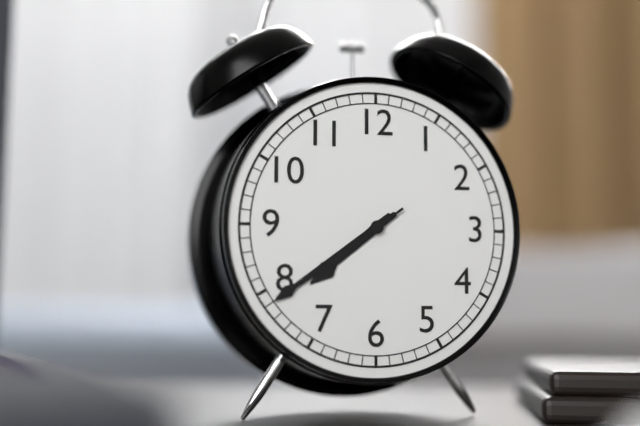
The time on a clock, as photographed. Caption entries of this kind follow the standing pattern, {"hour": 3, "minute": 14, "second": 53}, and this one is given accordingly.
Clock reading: {"hour": 7, "minute": 39, "second": 39}
